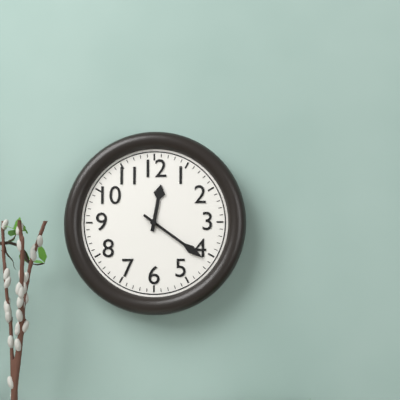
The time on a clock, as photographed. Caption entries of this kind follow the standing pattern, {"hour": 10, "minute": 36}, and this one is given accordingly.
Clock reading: {"hour": 12, "minute": 21}
